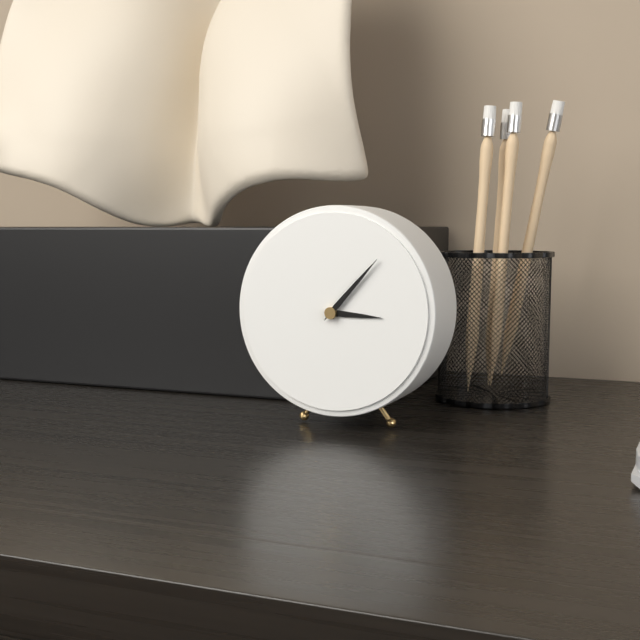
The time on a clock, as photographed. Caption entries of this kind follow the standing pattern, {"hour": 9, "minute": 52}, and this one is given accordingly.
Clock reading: {"hour": 3, "minute": 7}
